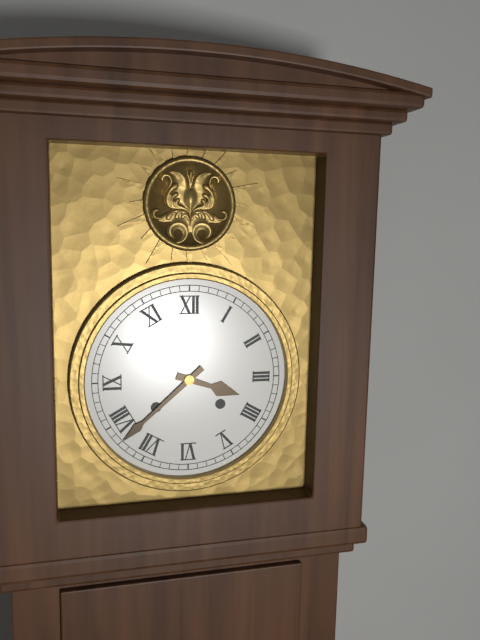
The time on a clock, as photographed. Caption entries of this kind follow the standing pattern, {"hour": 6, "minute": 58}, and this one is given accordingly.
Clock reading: {"hour": 3, "minute": 38}
